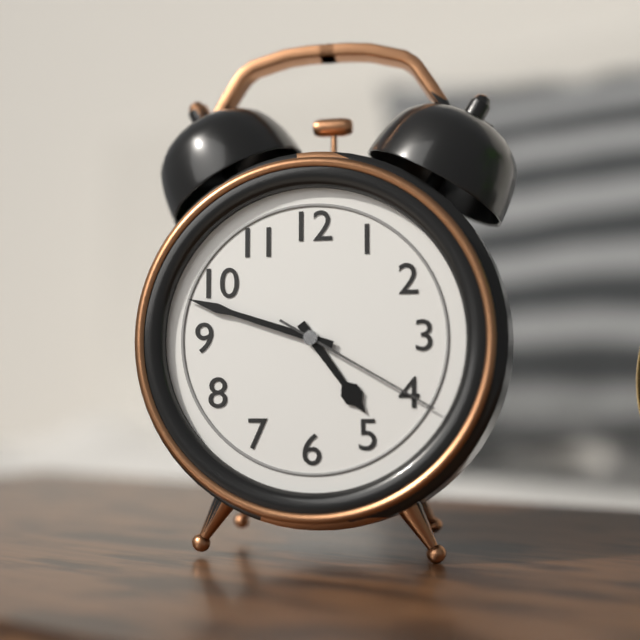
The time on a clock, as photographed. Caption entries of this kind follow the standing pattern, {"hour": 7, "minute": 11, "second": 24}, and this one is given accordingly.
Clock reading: {"hour": 4, "minute": 48, "second": 20}
